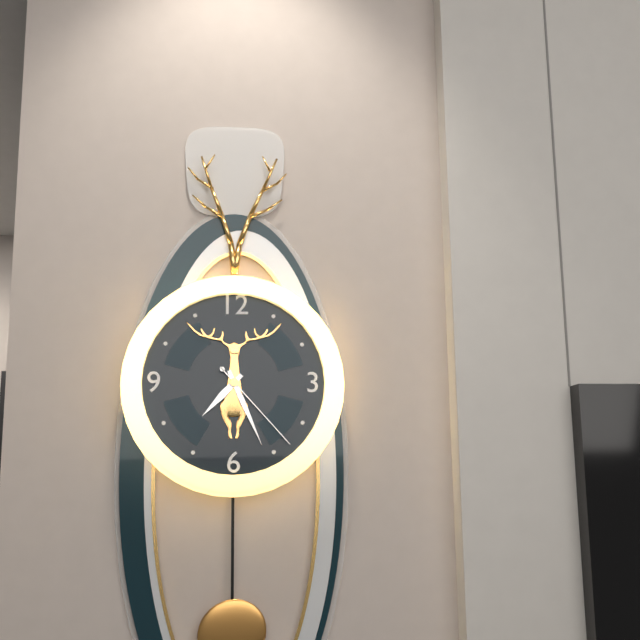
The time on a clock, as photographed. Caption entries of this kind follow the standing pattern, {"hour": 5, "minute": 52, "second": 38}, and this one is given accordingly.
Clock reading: {"hour": 7, "minute": 26, "second": 23}
